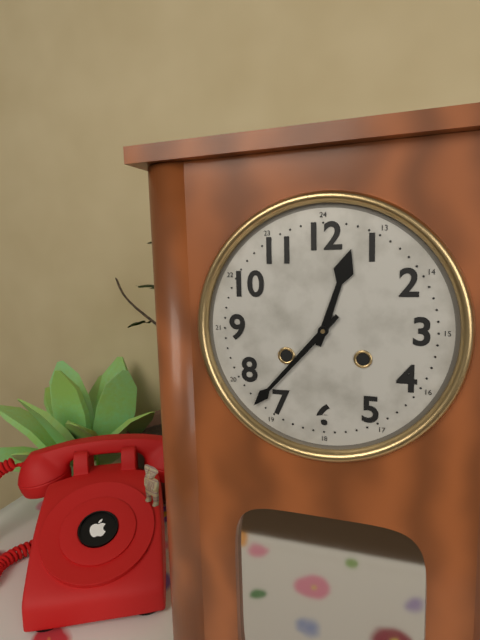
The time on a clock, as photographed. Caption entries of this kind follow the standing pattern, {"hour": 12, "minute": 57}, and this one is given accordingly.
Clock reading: {"hour": 12, "minute": 37}
